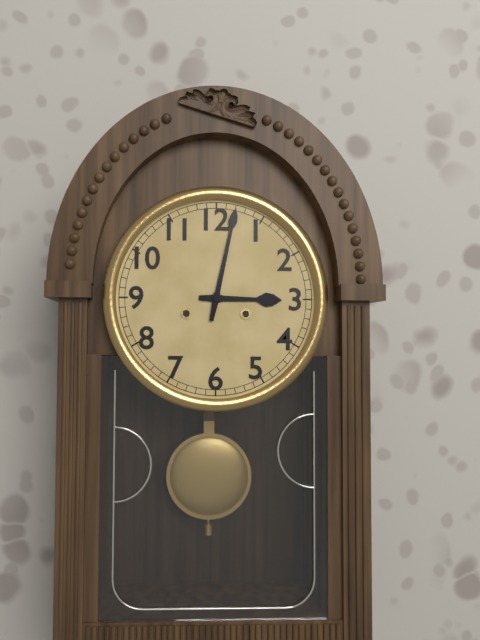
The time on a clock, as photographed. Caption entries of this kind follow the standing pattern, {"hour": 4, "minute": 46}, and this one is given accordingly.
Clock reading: {"hour": 3, "minute": 2}
